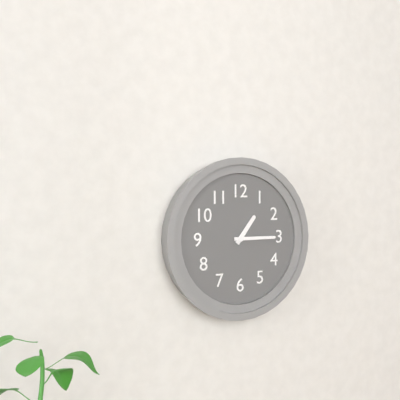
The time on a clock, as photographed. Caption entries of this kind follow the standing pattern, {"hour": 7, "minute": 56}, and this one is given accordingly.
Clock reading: {"hour": 1, "minute": 15}
